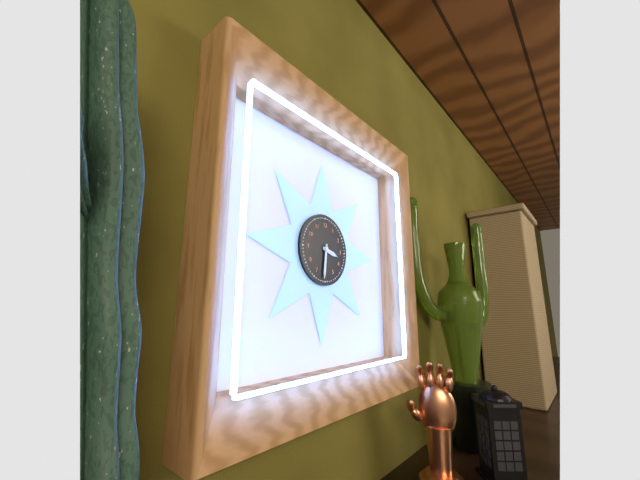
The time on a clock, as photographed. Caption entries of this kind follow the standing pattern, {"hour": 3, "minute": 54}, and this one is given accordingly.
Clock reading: {"hour": 3, "minute": 31}
